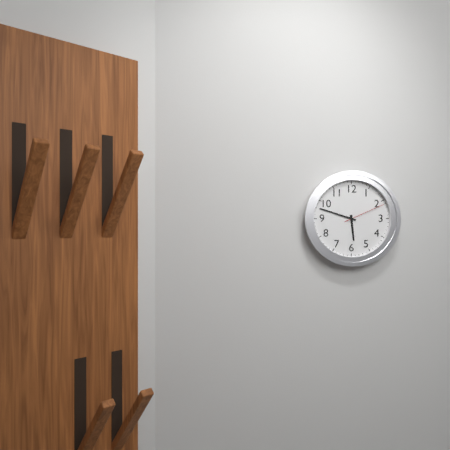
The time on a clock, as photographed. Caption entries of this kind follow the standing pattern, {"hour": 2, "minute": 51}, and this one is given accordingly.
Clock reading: {"hour": 5, "minute": 48}
